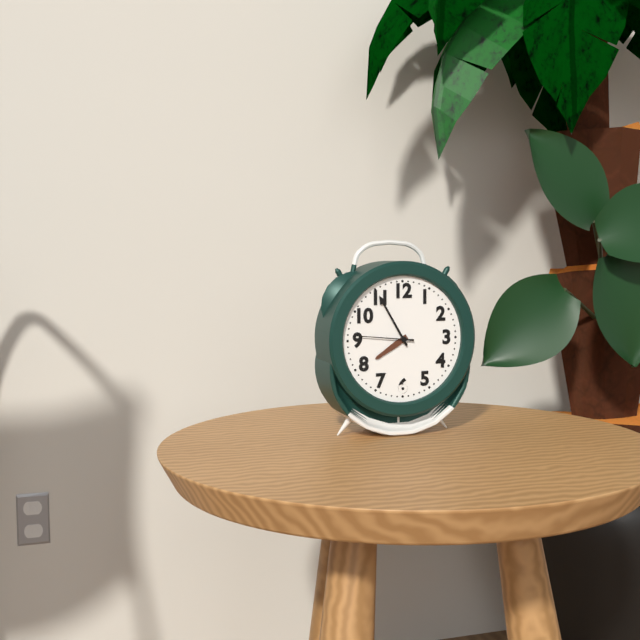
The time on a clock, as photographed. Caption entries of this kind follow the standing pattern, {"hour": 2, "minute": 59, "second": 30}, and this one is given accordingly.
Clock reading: {"hour": 7, "minute": 55, "second": 46}
